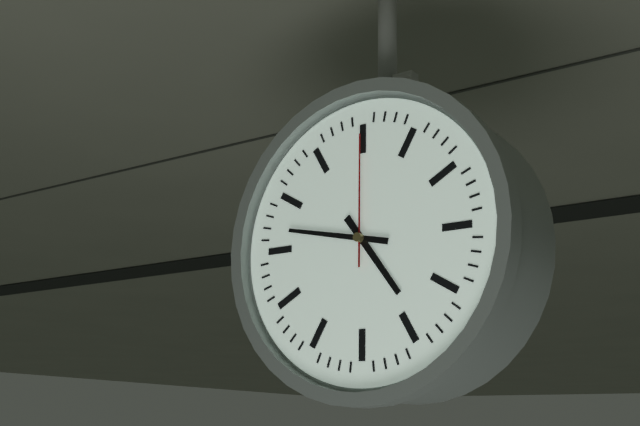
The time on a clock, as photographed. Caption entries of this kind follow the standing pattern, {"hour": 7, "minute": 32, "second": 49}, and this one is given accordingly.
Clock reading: {"hour": 4, "minute": 47, "second": 0}
